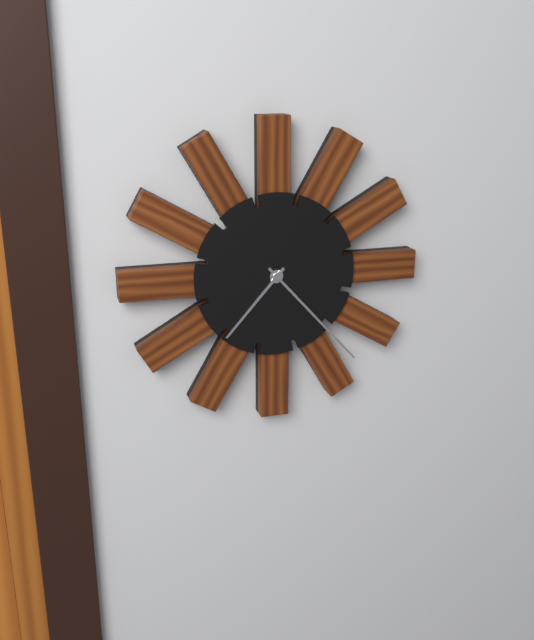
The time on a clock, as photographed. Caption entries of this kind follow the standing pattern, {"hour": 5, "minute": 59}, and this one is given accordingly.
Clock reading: {"hour": 7, "minute": 23}
